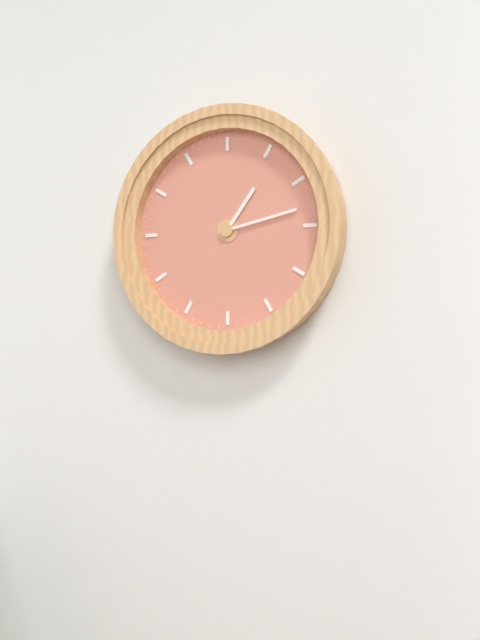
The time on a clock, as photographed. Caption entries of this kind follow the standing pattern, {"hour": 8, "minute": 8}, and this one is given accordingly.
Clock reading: {"hour": 1, "minute": 13}
